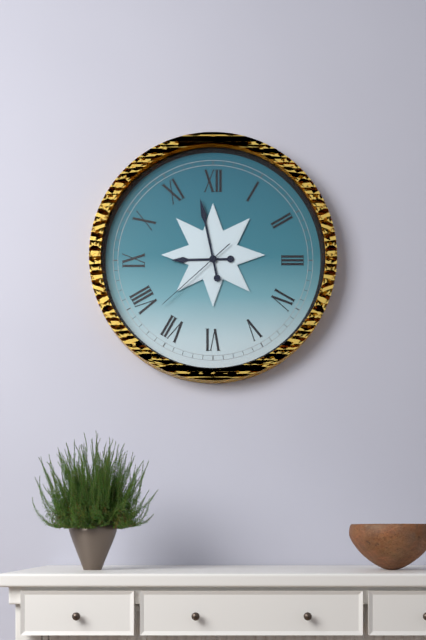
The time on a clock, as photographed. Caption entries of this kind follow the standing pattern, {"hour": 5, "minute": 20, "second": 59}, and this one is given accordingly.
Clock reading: {"hour": 8, "minute": 58, "second": 38}
